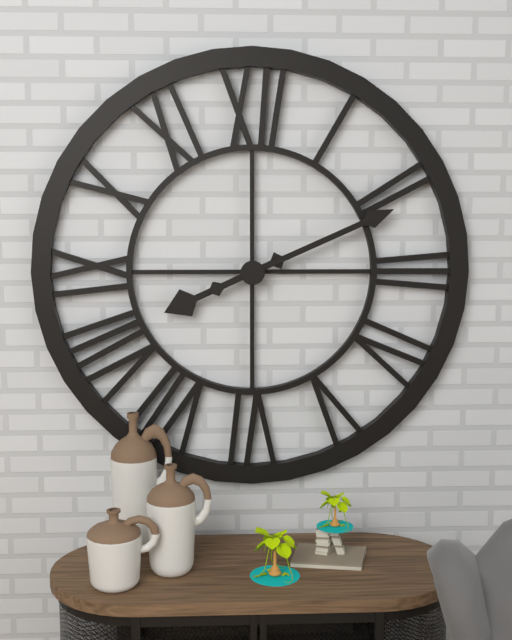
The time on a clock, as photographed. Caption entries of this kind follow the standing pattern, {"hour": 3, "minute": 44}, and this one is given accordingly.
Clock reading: {"hour": 8, "minute": 11}
